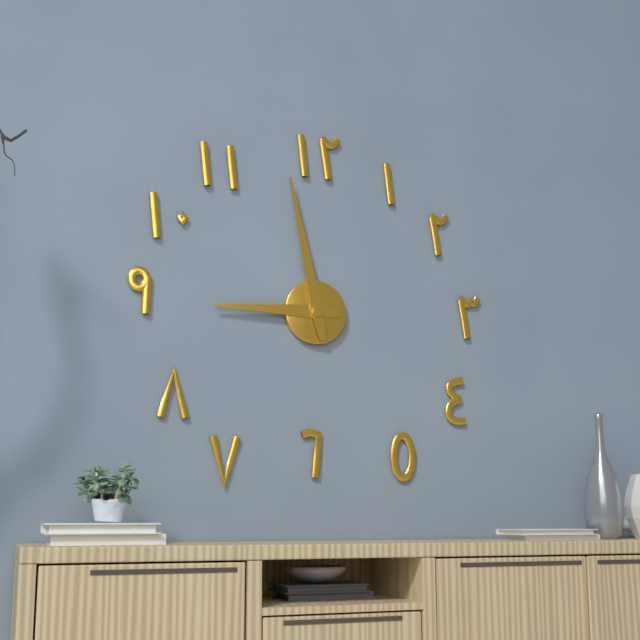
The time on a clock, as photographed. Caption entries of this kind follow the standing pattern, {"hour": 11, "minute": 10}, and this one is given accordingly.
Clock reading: {"hour": 8, "minute": 58}
